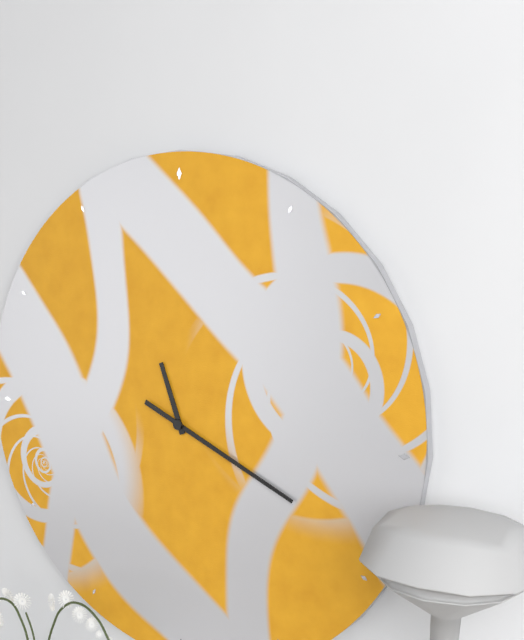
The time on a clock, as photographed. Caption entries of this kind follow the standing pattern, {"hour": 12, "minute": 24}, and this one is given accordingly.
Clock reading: {"hour": 11, "minute": 19}
